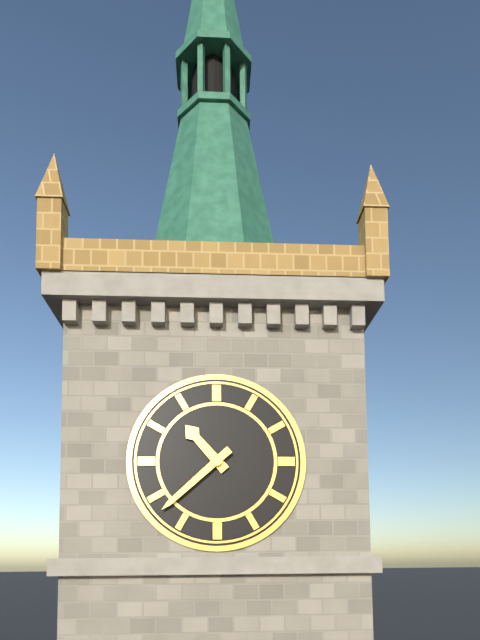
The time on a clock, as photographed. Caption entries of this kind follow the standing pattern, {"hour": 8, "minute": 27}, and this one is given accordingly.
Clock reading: {"hour": 10, "minute": 38}
